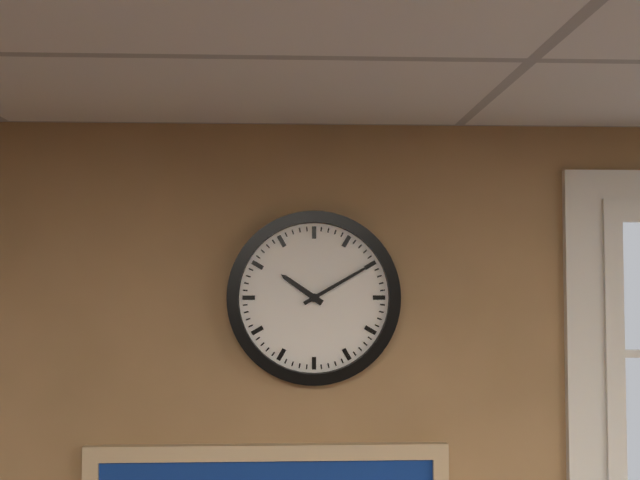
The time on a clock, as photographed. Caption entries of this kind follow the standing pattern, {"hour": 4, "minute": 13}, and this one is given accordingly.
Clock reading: {"hour": 10, "minute": 10}
